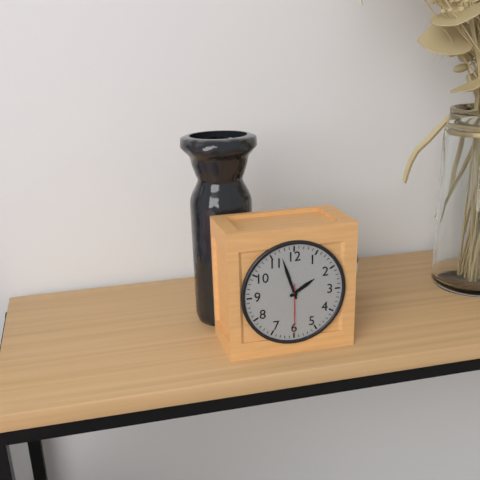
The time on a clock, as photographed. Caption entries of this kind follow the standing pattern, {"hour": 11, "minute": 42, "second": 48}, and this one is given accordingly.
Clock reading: {"hour": 1, "minute": 57, "second": 30}
